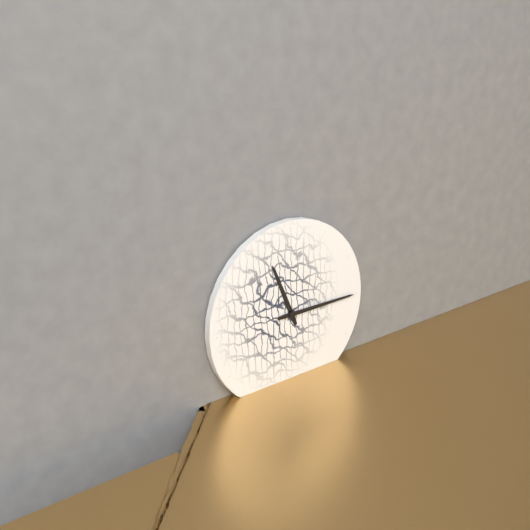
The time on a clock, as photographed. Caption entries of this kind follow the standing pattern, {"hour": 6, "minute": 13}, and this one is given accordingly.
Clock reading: {"hour": 11, "minute": 15}
